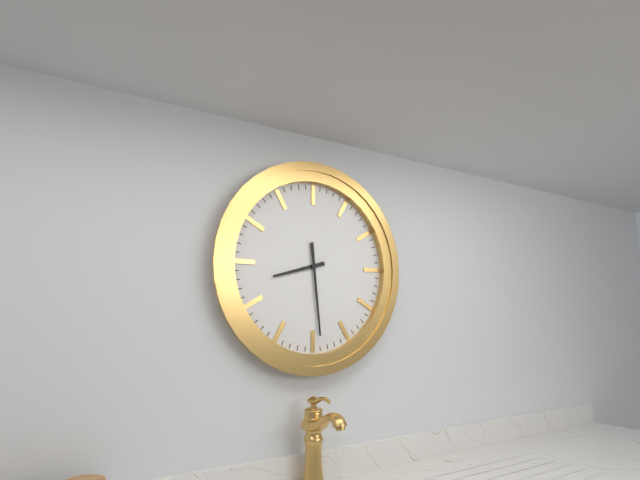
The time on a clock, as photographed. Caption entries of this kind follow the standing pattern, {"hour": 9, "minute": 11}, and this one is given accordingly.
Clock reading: {"hour": 8, "minute": 29}
